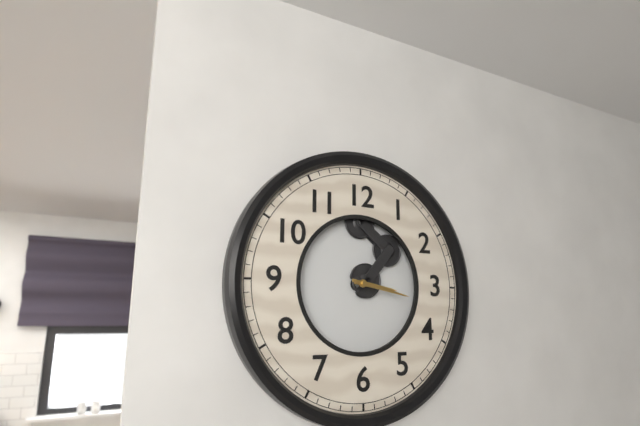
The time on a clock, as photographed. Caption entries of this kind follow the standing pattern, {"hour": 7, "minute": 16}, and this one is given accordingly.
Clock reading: {"hour": 3, "minute": 17}
